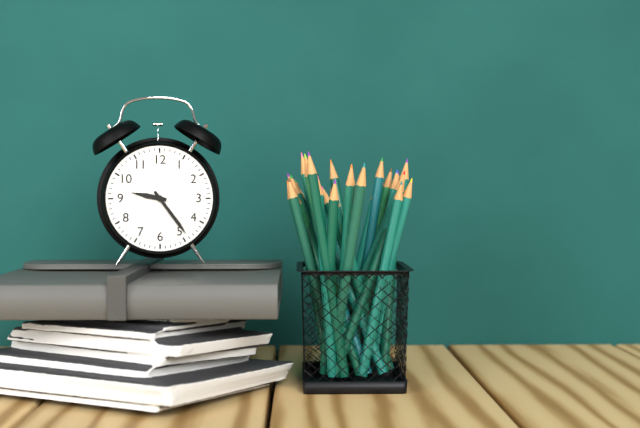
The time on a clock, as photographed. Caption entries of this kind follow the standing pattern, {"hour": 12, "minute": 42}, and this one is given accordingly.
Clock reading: {"hour": 9, "minute": 24}
